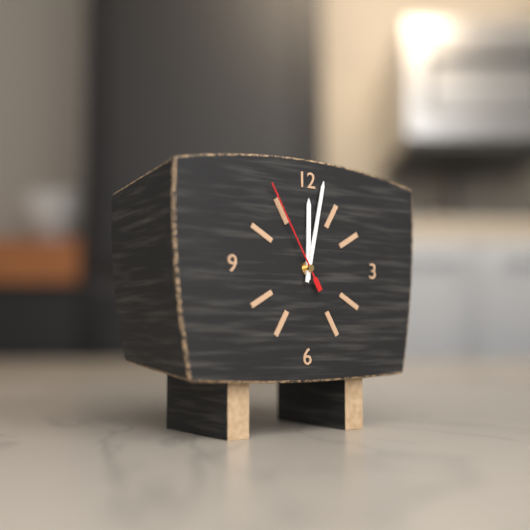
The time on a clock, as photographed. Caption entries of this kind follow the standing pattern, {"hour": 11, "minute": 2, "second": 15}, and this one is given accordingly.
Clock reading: {"hour": 12, "minute": 2, "second": 55}
